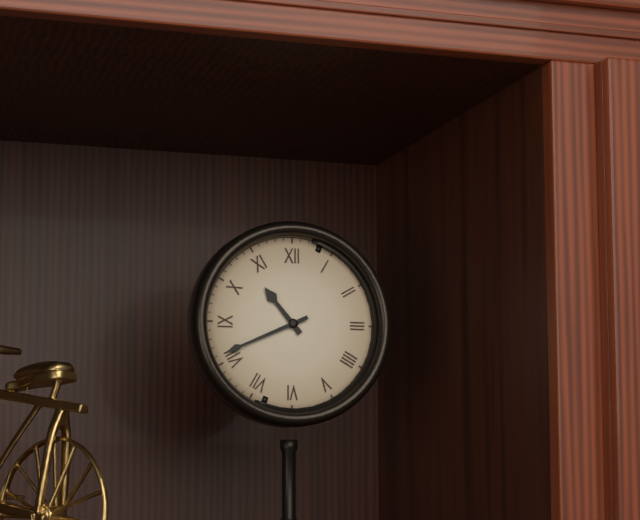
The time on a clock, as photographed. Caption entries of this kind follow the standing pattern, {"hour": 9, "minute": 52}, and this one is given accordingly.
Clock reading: {"hour": 10, "minute": 41}
